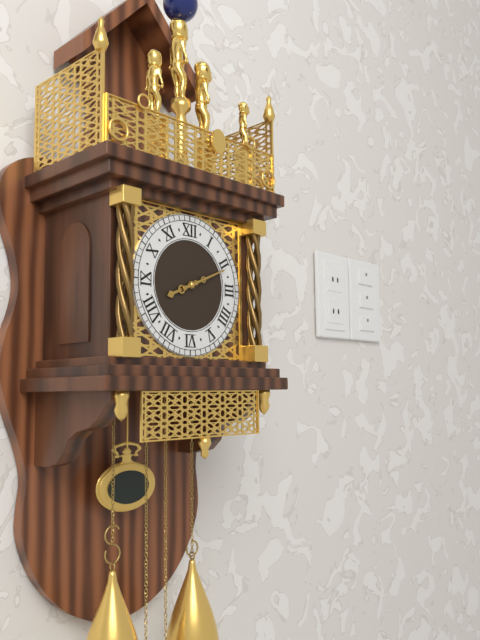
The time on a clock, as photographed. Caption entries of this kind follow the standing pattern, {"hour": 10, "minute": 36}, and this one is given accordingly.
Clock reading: {"hour": 8, "minute": 11}
